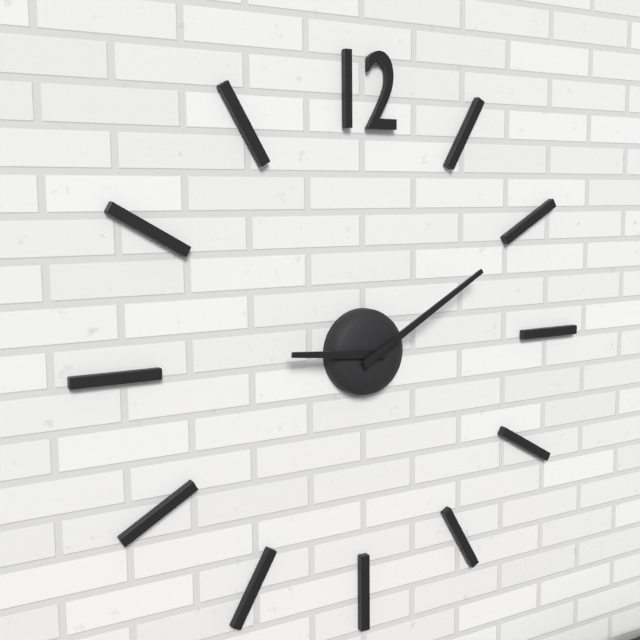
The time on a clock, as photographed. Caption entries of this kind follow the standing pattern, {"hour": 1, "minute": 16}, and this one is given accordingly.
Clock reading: {"hour": 9, "minute": 10}
